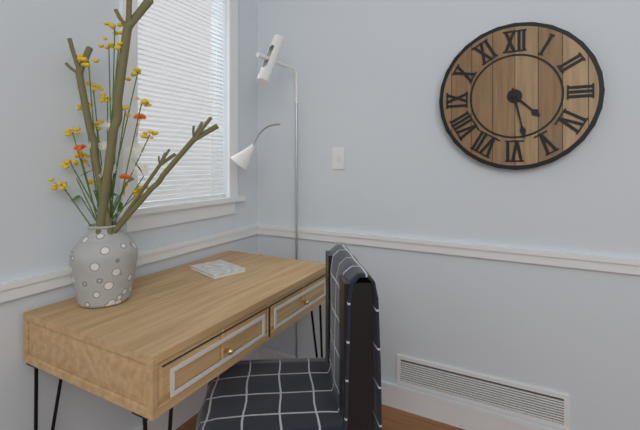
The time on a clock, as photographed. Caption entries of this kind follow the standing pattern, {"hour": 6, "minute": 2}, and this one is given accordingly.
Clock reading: {"hour": 4, "minute": 28}
